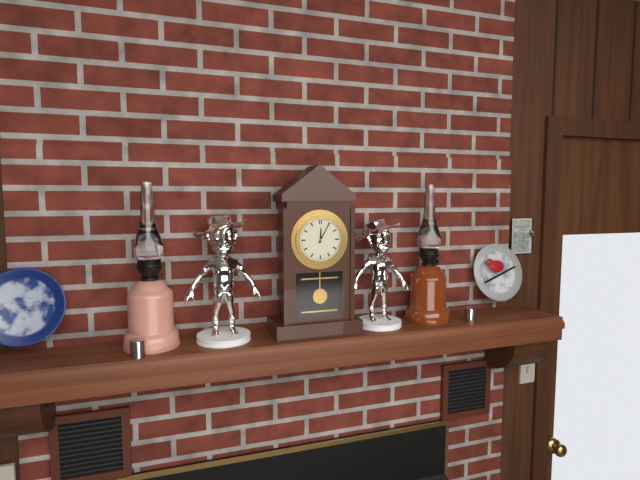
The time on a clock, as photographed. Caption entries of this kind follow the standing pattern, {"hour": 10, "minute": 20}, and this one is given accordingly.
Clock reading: {"hour": 12, "minute": 5}
